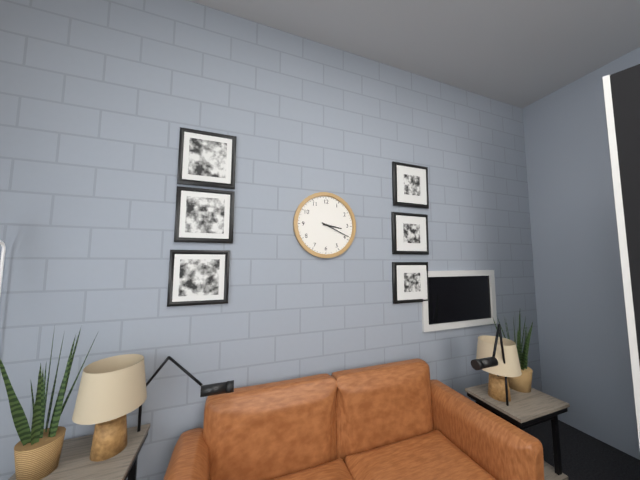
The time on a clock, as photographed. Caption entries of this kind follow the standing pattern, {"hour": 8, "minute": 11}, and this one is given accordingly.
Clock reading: {"hour": 3, "minute": 19}
